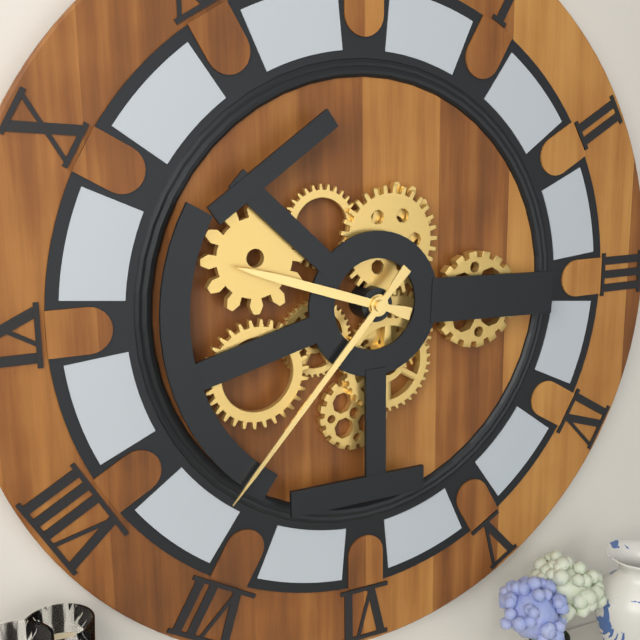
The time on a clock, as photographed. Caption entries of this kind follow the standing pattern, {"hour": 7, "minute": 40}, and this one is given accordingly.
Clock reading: {"hour": 9, "minute": 37}
